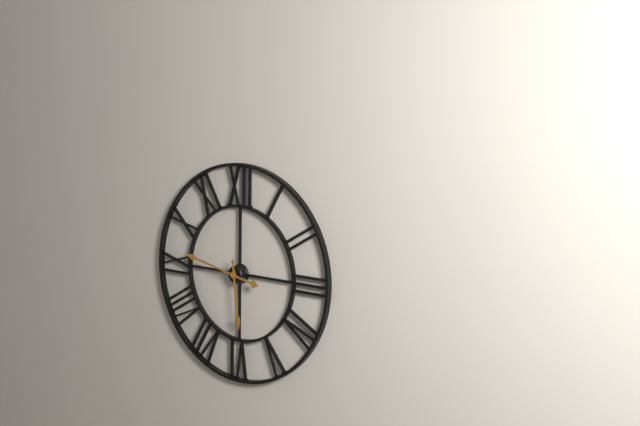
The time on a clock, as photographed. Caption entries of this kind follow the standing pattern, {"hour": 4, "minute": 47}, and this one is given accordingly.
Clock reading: {"hour": 5, "minute": 47}
